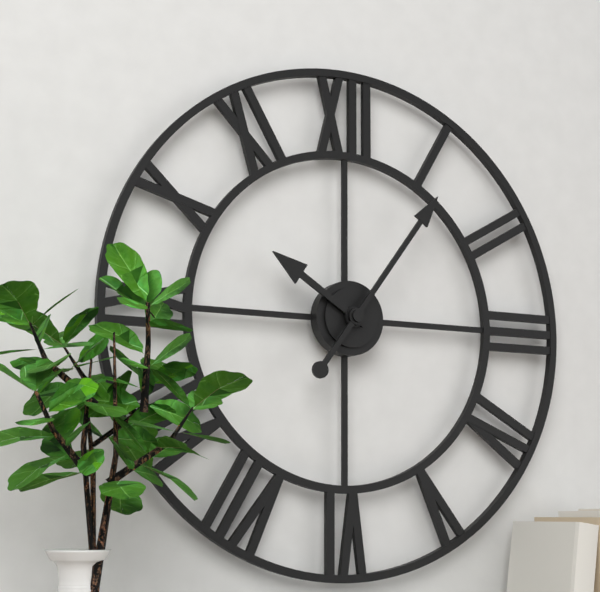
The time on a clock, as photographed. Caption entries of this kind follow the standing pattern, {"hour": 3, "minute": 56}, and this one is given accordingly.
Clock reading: {"hour": 10, "minute": 6}
